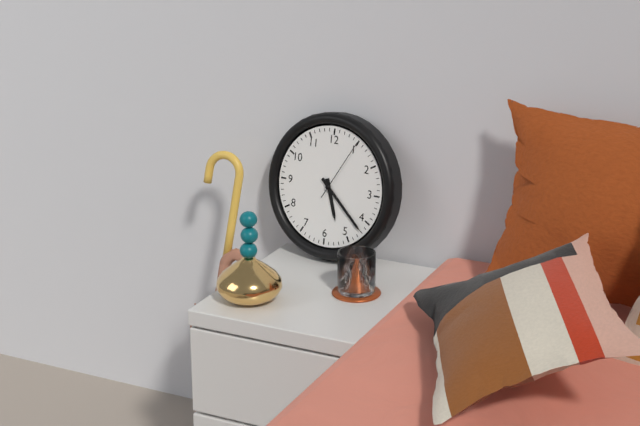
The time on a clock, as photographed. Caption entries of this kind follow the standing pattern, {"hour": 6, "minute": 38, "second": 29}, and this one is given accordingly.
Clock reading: {"hour": 5, "minute": 22, "second": 5}
